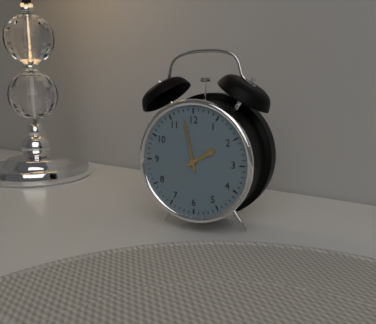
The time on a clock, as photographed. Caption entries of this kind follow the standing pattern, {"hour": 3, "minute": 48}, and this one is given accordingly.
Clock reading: {"hour": 1, "minute": 58}
